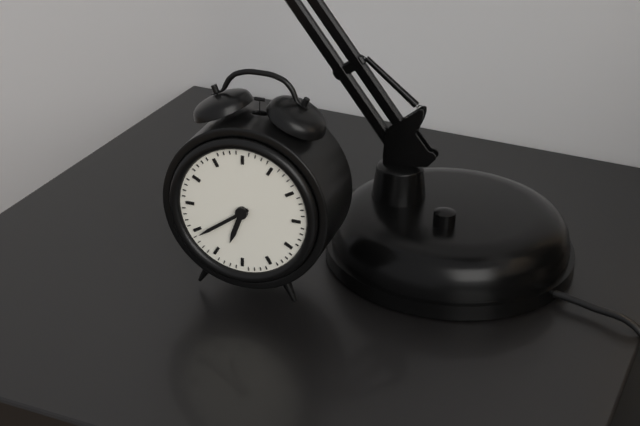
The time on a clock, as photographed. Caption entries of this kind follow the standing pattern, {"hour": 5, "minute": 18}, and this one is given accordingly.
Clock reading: {"hour": 6, "minute": 39}
